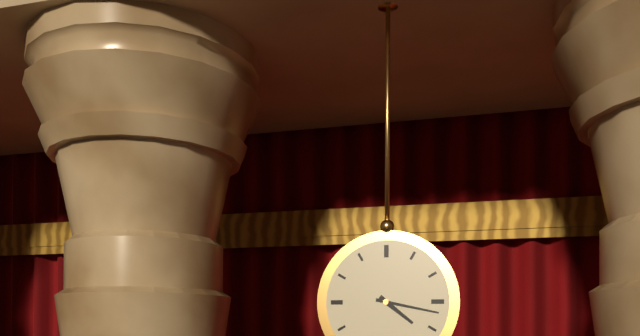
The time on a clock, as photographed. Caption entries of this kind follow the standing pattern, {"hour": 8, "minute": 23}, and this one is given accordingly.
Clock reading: {"hour": 4, "minute": 17}
